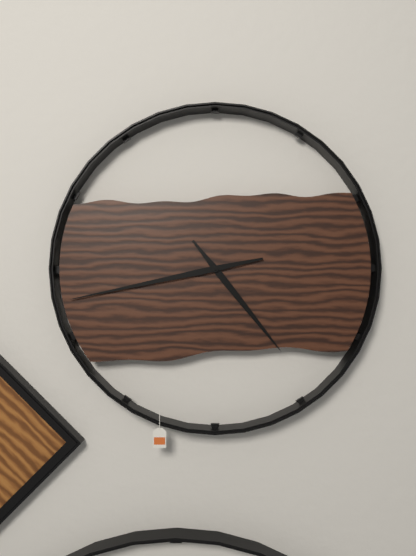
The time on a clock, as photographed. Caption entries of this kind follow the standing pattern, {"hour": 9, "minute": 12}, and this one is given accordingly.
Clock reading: {"hour": 4, "minute": 43}
